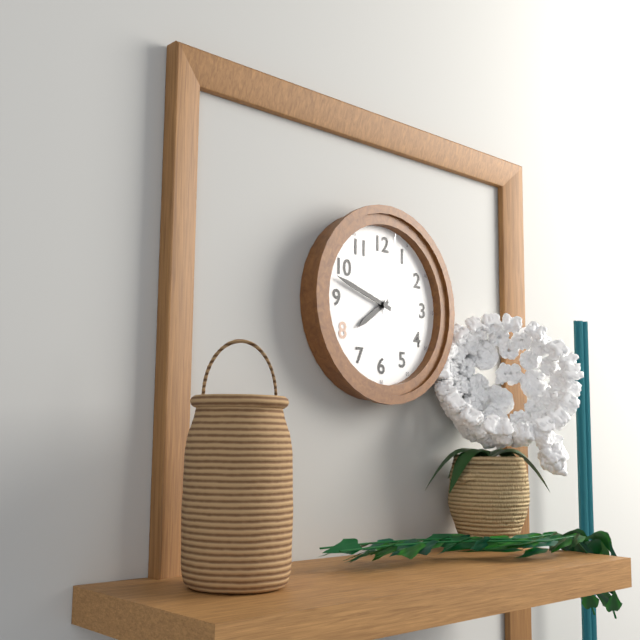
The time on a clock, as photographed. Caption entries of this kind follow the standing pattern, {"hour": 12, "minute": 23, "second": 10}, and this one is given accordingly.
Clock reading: {"hour": 7, "minute": 48, "second": 2}
